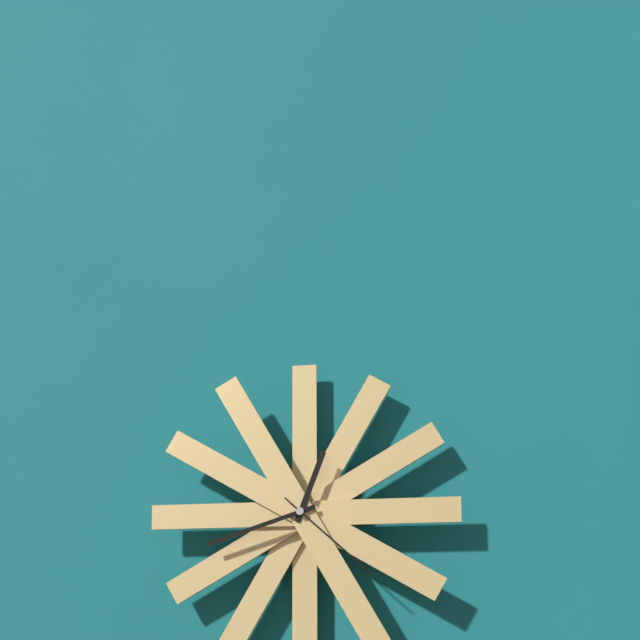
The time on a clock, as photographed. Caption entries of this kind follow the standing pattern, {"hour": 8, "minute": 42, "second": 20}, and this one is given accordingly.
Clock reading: {"hour": 12, "minute": 42, "second": 22}
